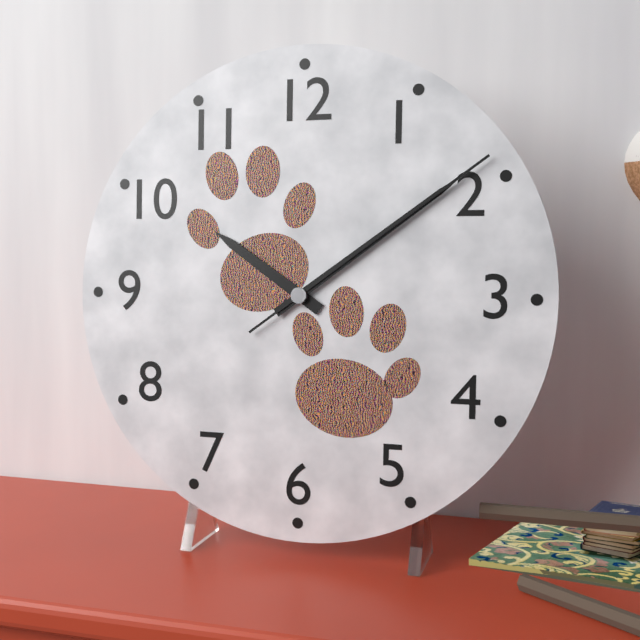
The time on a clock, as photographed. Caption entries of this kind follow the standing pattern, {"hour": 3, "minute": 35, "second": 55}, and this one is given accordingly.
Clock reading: {"hour": 10, "minute": 9, "second": 9}
